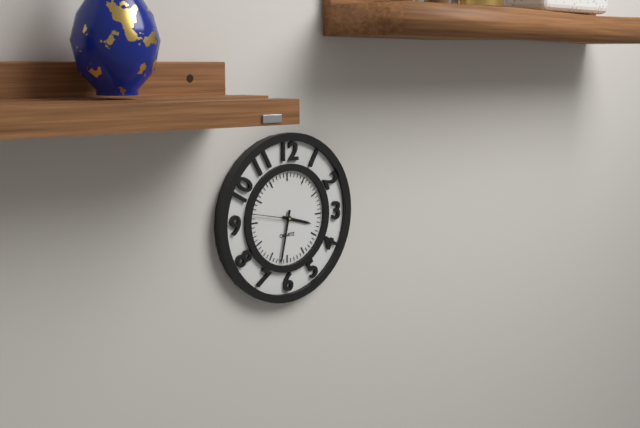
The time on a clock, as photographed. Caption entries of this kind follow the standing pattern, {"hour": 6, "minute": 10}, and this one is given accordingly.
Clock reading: {"hour": 3, "minute": 32}
